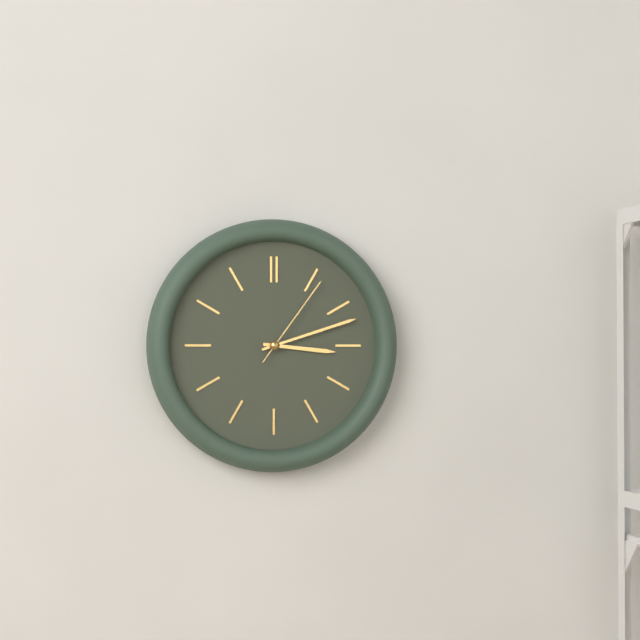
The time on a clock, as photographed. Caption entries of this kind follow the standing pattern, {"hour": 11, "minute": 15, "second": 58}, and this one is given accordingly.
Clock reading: {"hour": 3, "minute": 12, "second": 6}
